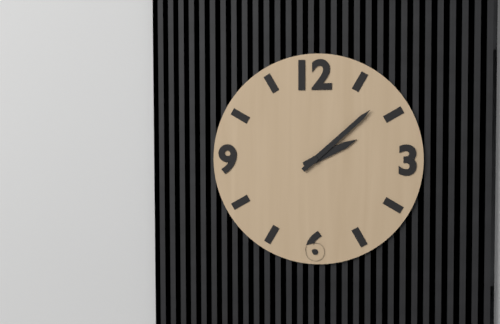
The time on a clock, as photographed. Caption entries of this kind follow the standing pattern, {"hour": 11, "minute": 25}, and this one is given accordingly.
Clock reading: {"hour": 2, "minute": 8}
